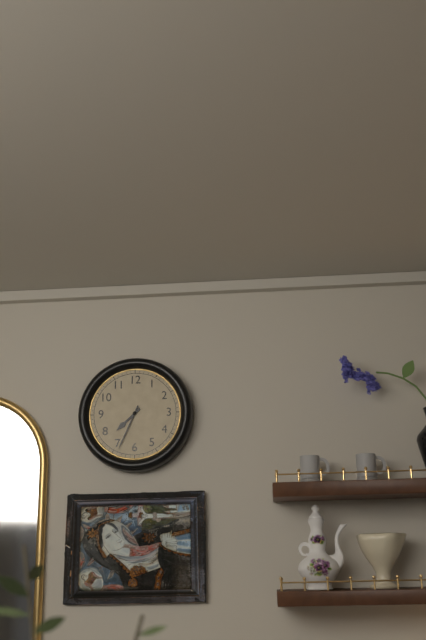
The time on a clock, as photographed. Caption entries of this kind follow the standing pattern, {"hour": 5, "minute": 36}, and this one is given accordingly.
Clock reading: {"hour": 7, "minute": 34}
